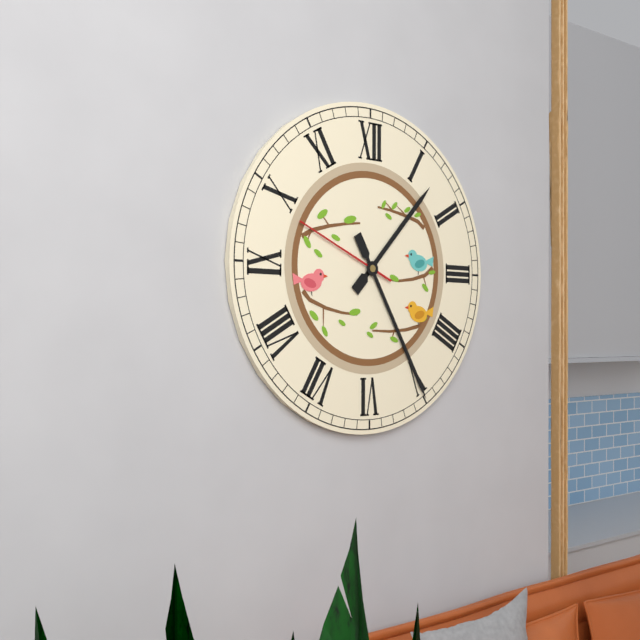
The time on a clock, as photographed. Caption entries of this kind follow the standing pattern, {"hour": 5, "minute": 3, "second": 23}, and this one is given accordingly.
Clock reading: {"hour": 1, "minute": 25, "second": 49}
